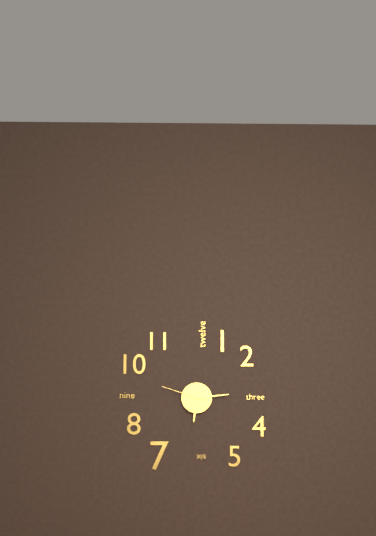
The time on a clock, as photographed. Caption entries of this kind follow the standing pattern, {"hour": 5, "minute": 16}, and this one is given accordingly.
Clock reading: {"hour": 6, "minute": 14}
